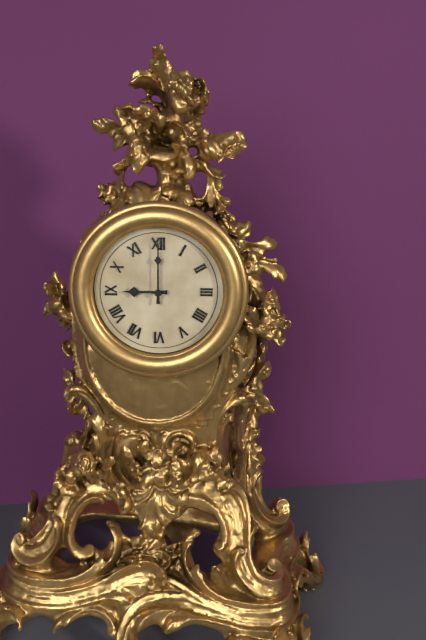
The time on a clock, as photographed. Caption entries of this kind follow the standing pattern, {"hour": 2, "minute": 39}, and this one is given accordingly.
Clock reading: {"hour": 9, "minute": 0}
